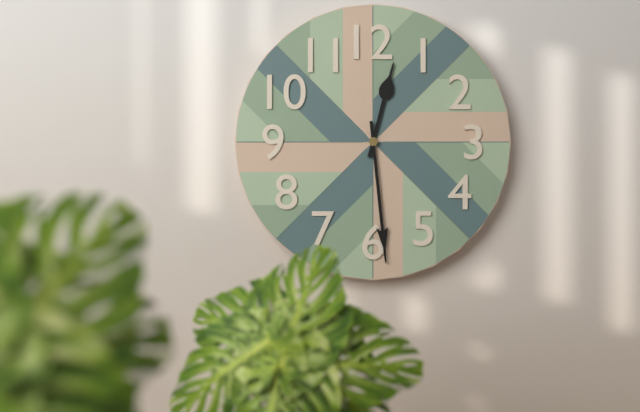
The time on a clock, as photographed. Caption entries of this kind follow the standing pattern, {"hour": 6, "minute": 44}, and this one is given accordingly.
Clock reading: {"hour": 12, "minute": 29}
